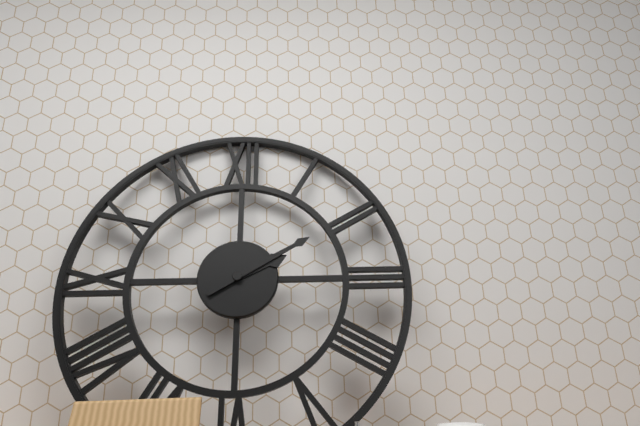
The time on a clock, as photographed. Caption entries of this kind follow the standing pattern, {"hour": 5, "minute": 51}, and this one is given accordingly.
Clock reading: {"hour": 2, "minute": 10}
